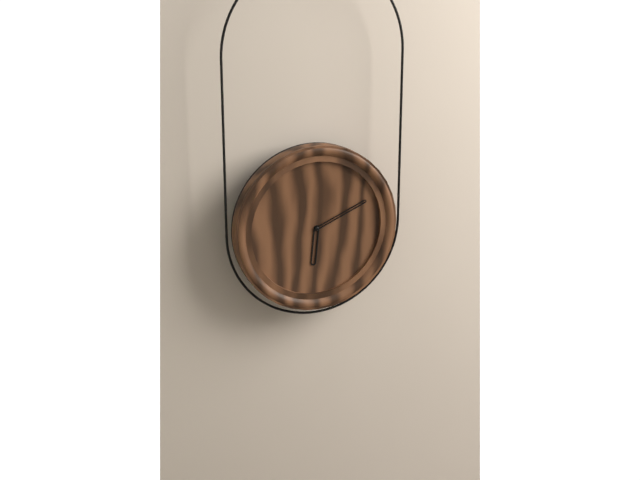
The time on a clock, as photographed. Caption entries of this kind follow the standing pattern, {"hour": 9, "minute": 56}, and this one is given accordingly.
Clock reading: {"hour": 6, "minute": 11}
